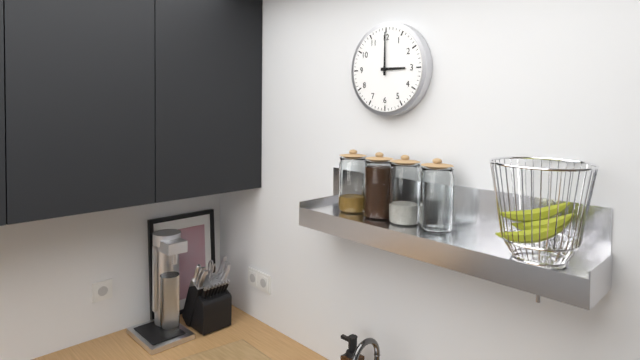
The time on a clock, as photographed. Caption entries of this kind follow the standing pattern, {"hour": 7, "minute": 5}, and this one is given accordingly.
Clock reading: {"hour": 3, "minute": 0}
